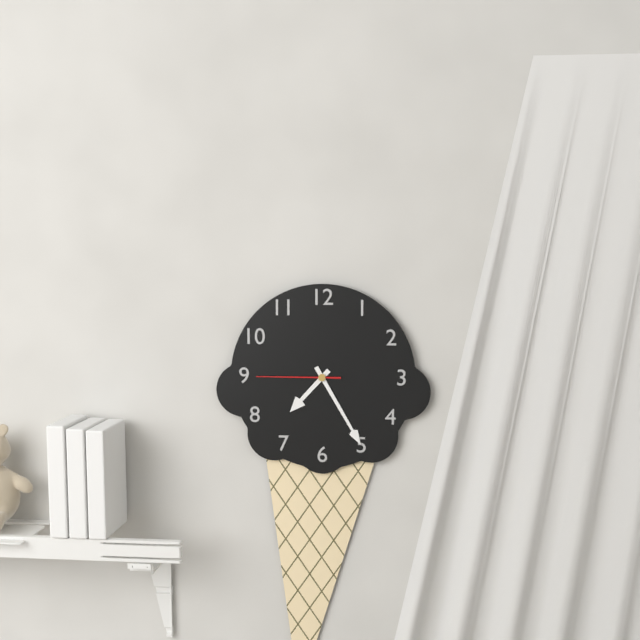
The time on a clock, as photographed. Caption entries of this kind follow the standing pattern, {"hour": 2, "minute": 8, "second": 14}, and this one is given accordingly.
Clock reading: {"hour": 7, "minute": 25, "second": 45}
